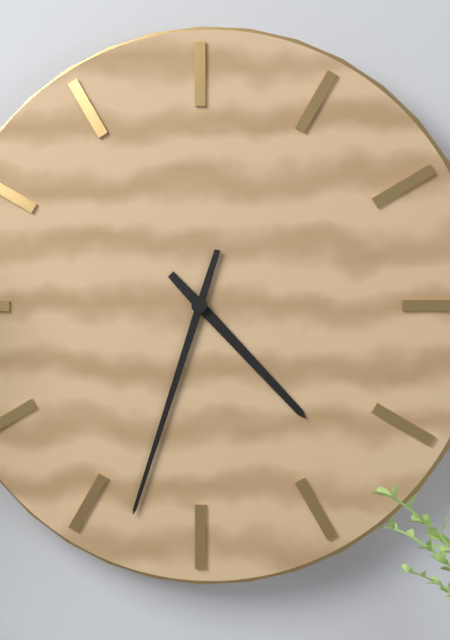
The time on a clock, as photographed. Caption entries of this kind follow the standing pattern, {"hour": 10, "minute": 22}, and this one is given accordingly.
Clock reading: {"hour": 4, "minute": 33}
